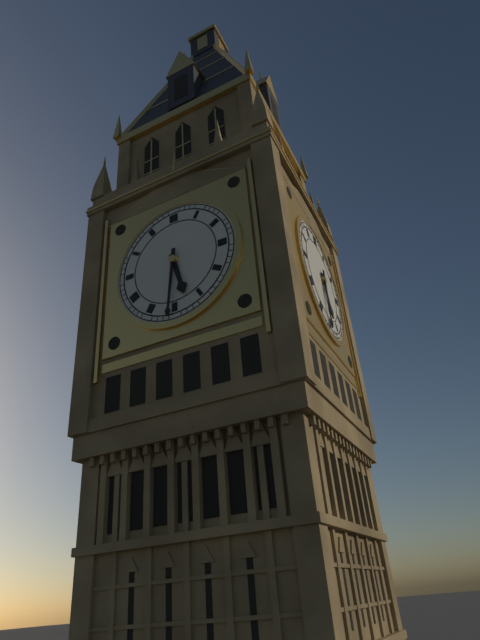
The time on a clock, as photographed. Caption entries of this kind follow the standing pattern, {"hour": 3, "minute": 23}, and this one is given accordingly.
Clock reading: {"hour": 5, "minute": 31}
